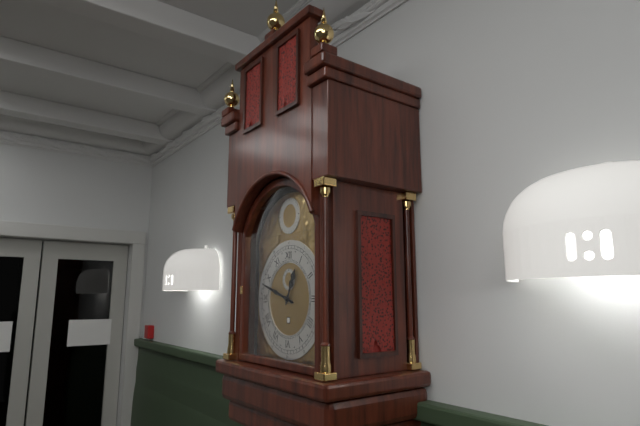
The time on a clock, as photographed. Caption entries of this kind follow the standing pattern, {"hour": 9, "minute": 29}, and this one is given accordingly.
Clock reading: {"hour": 12, "minute": 48}
